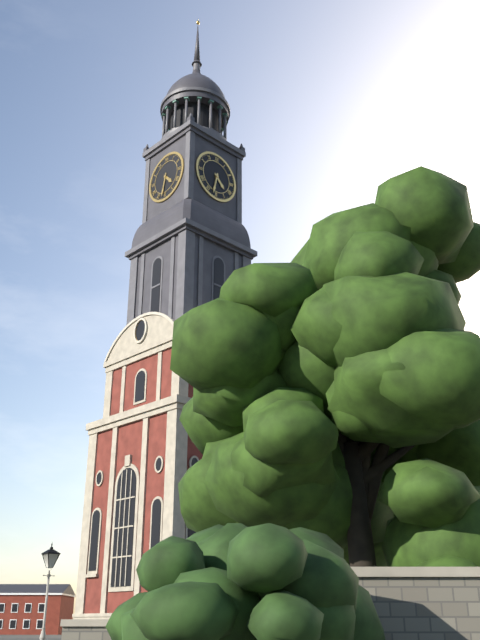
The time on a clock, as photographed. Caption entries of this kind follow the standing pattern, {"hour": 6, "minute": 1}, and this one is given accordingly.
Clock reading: {"hour": 4, "minute": 32}
